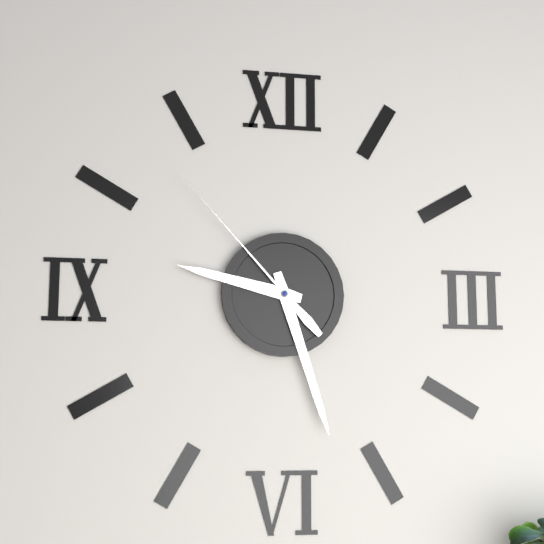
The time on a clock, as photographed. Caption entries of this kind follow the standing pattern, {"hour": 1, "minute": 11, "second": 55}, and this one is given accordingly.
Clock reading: {"hour": 9, "minute": 27, "second": 53}
